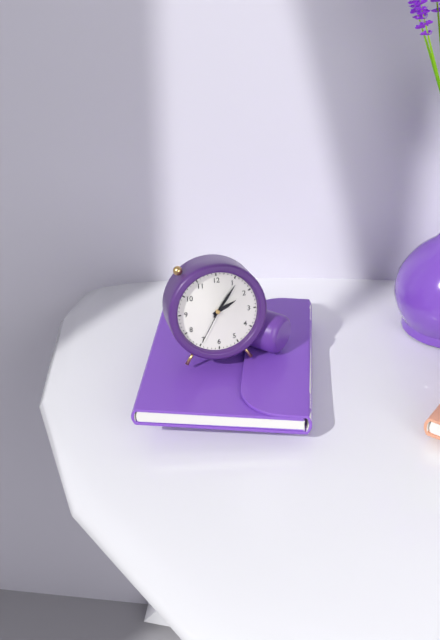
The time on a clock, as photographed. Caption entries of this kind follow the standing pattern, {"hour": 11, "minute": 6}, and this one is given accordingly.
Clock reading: {"hour": 2, "minute": 6}
